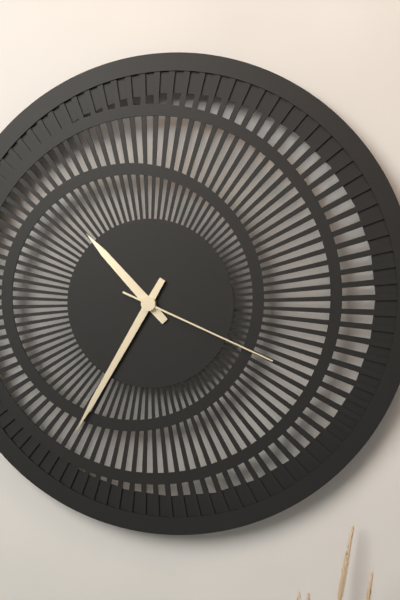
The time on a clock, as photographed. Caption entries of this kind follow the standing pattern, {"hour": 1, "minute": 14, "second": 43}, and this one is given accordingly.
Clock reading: {"hour": 10, "minute": 35, "second": 19}
